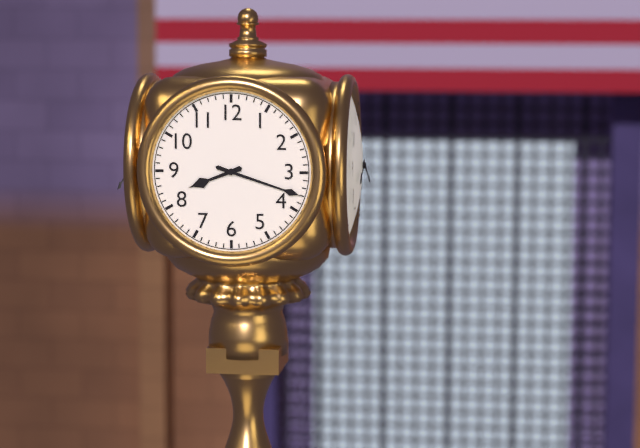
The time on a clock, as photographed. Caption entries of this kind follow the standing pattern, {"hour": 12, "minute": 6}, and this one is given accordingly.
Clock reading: {"hour": 8, "minute": 18}
